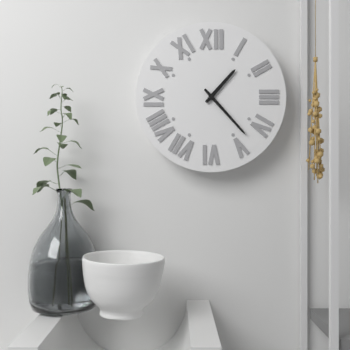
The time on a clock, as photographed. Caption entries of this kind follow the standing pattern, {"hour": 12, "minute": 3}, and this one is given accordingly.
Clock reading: {"hour": 1, "minute": 23}
